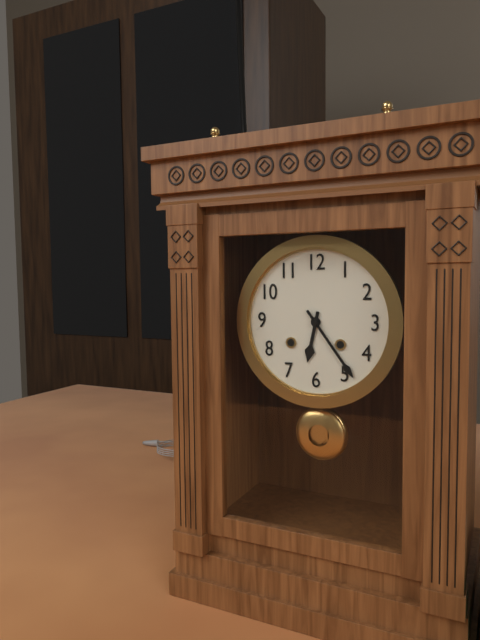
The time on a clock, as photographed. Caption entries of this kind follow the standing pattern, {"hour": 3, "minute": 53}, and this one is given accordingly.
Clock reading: {"hour": 6, "minute": 24}
